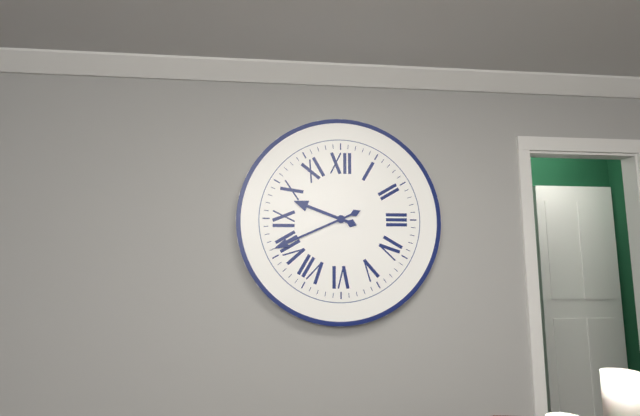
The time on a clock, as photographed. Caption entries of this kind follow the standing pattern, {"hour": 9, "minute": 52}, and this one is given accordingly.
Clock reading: {"hour": 9, "minute": 41}
